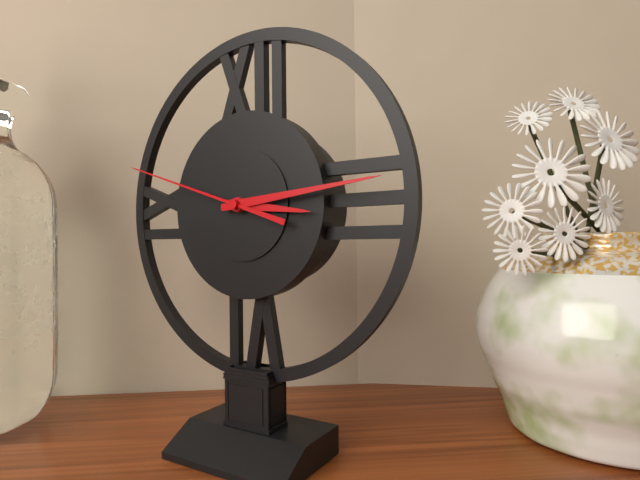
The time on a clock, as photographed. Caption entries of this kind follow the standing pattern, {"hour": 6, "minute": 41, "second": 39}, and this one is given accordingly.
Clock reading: {"hour": 3, "minute": 14, "second": 48}
